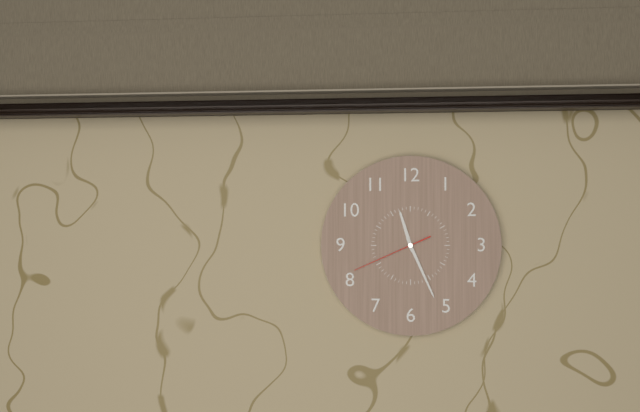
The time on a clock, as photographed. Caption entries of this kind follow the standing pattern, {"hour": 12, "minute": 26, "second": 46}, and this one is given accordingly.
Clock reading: {"hour": 11, "minute": 26, "second": 41}
